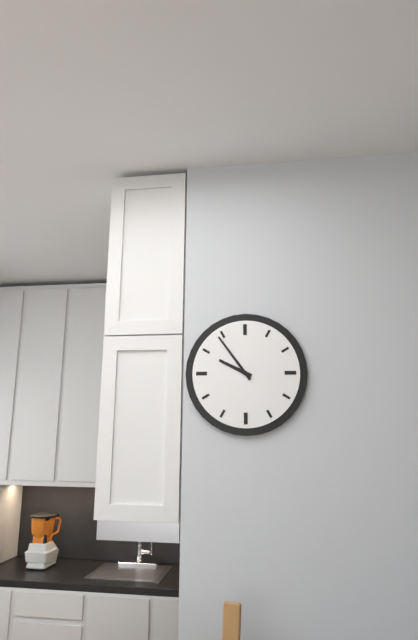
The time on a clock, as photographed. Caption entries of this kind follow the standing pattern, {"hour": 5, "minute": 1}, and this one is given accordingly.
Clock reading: {"hour": 9, "minute": 54}
